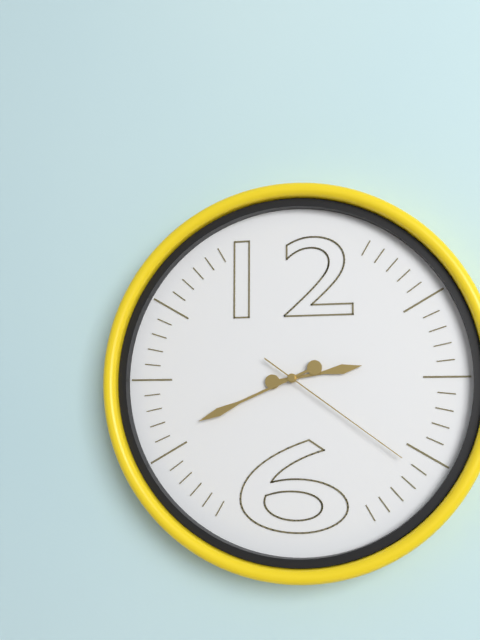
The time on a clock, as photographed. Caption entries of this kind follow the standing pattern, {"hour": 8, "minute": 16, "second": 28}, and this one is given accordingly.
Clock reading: {"hour": 2, "minute": 41, "second": 21}
